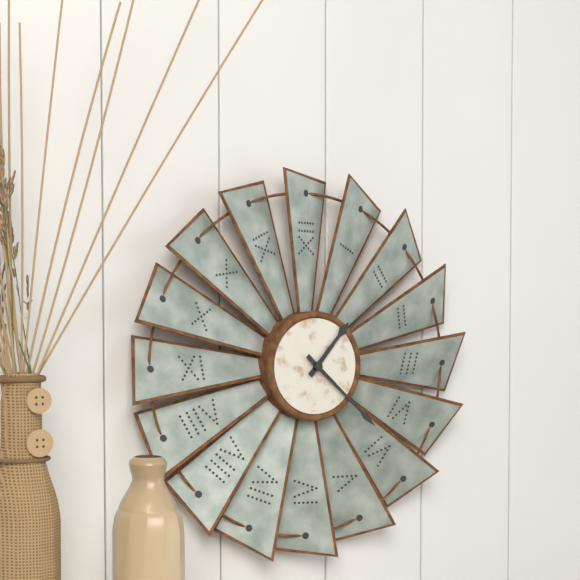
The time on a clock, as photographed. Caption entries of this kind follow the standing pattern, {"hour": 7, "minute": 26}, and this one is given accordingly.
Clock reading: {"hour": 1, "minute": 22}
